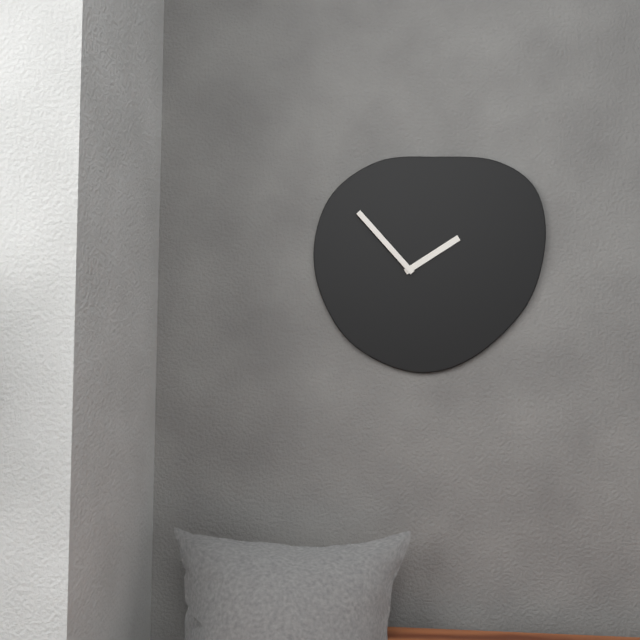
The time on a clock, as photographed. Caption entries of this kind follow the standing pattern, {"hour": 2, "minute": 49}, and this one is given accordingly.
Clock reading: {"hour": 1, "minute": 53}
